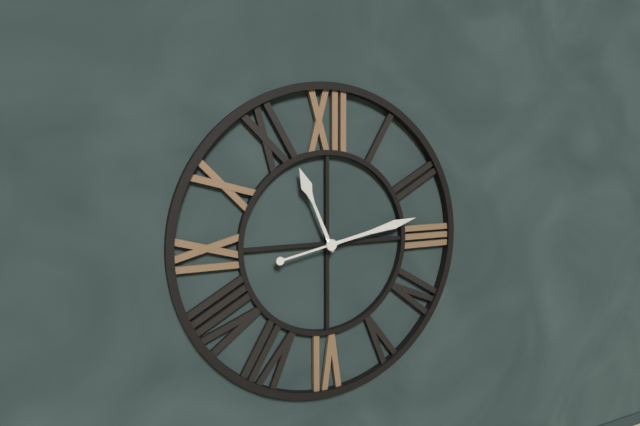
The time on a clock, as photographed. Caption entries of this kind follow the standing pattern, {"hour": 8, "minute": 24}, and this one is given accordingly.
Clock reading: {"hour": 11, "minute": 13}
